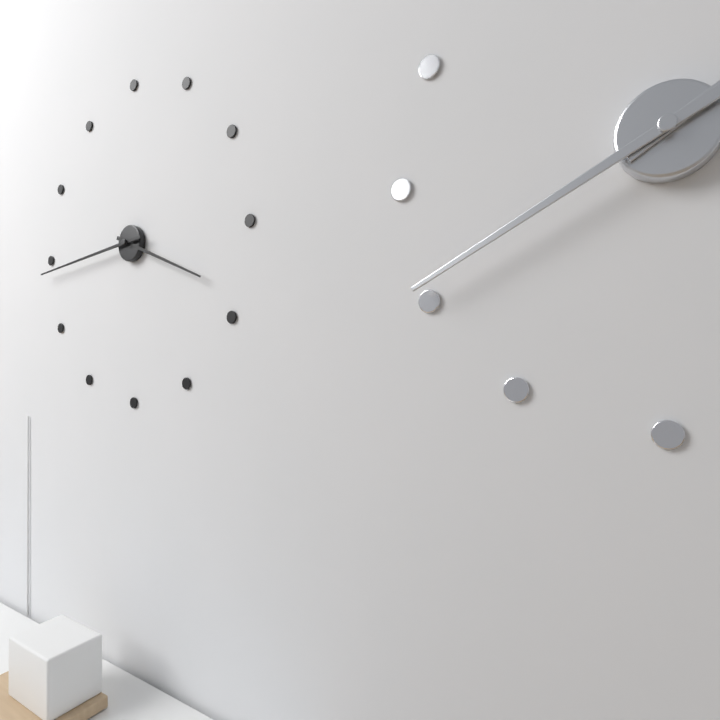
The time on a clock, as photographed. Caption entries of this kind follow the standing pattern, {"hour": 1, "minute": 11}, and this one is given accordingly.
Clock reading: {"hour": 3, "minute": 44}
